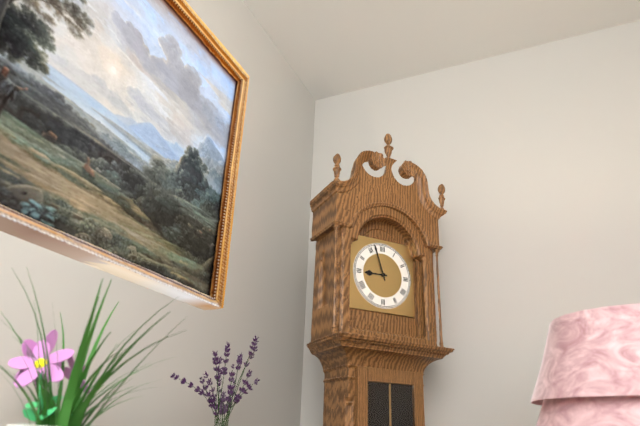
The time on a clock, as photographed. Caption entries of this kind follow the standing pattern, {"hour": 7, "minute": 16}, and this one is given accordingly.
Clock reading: {"hour": 8, "minute": 57}
